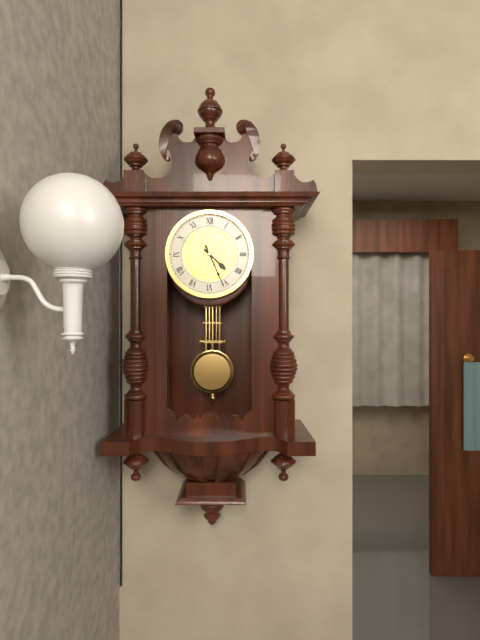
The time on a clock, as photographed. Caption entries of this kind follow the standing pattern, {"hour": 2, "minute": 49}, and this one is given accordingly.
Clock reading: {"hour": 4, "minute": 26}
